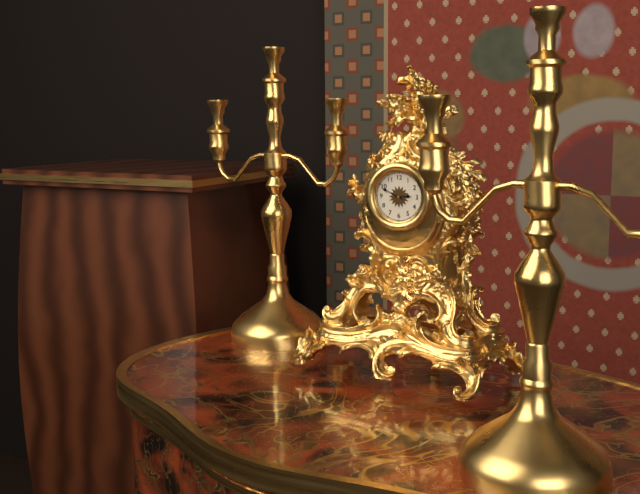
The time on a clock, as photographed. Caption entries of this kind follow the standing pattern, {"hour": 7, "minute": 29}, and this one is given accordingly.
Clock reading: {"hour": 2, "minute": 49}
